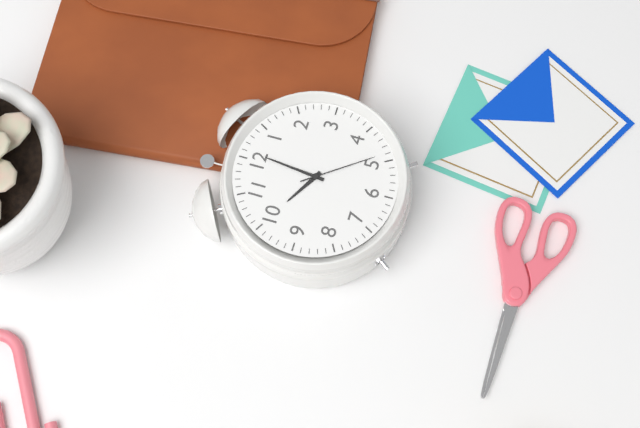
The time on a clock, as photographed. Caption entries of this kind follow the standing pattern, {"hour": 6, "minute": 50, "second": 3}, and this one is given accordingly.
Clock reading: {"hour": 10, "minute": 1, "second": 24}
